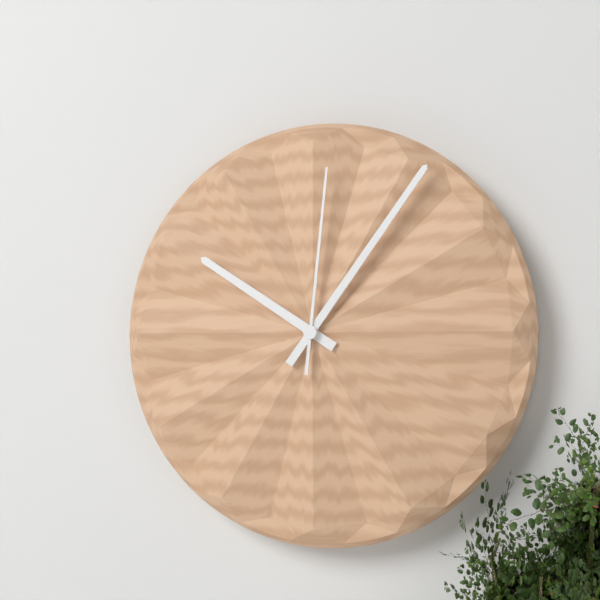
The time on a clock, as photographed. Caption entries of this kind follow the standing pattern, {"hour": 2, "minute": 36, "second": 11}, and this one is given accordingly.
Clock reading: {"hour": 10, "minute": 6, "second": 1}
